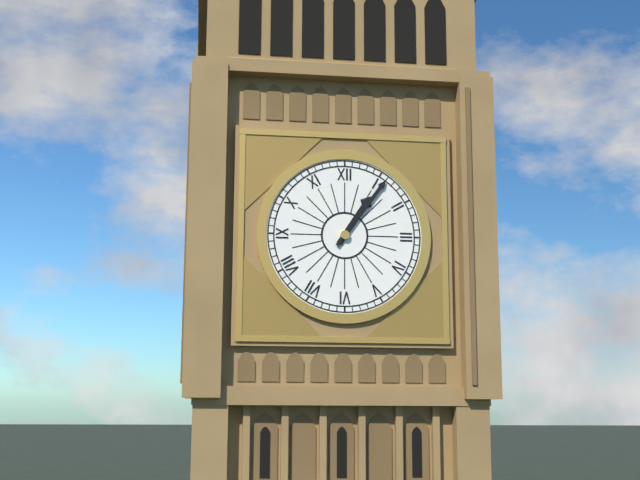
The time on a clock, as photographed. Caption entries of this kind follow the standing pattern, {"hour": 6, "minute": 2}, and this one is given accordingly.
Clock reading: {"hour": 1, "minute": 6}
